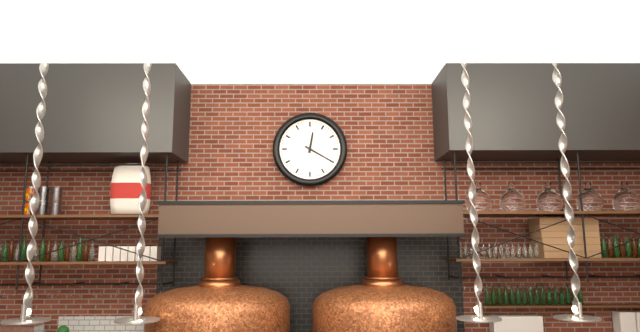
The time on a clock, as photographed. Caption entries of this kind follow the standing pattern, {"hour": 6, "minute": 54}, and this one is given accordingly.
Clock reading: {"hour": 12, "minute": 20}
